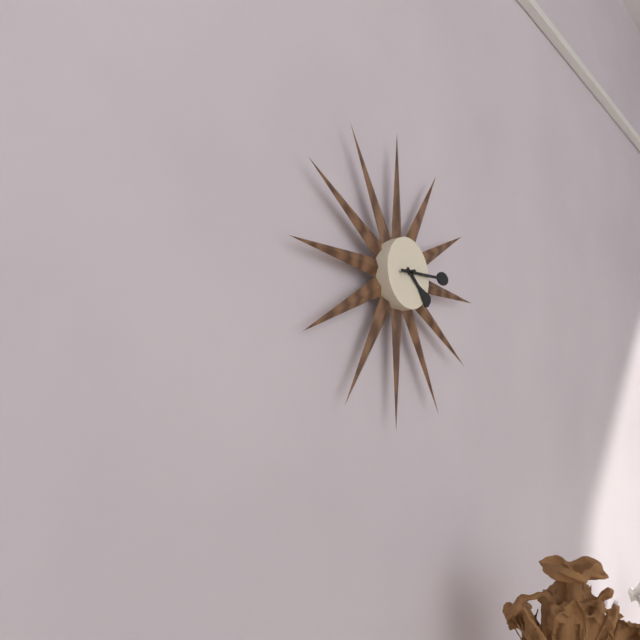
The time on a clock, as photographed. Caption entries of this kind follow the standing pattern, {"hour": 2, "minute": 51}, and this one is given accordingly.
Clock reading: {"hour": 4, "minute": 14}
